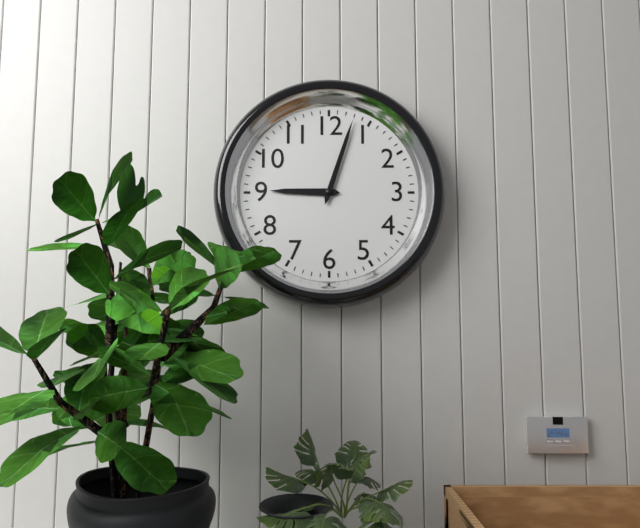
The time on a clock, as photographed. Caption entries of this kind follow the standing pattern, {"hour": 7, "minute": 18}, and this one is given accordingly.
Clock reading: {"hour": 9, "minute": 3}
